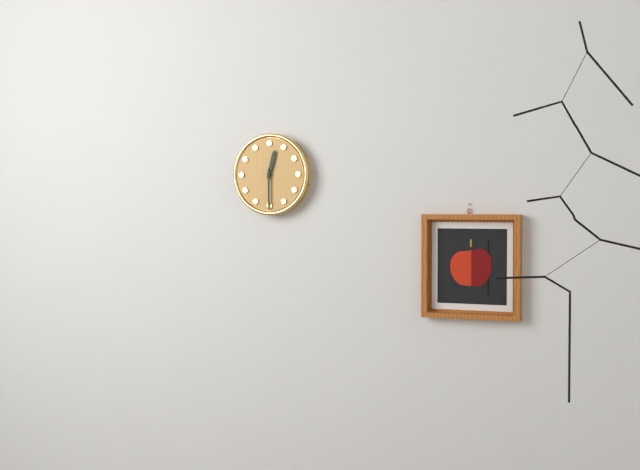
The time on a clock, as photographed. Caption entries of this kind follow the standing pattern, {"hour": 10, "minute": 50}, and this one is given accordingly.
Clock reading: {"hour": 12, "minute": 30}
